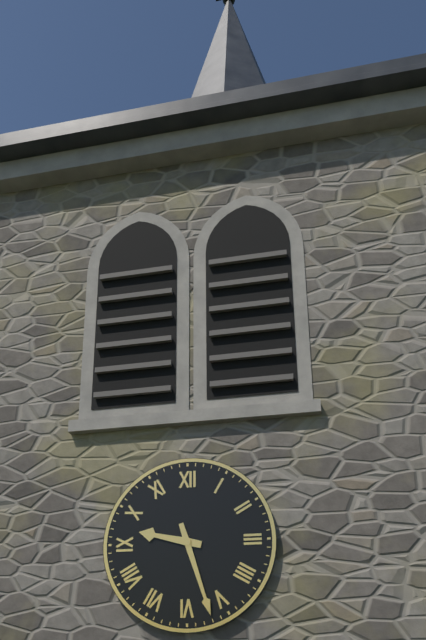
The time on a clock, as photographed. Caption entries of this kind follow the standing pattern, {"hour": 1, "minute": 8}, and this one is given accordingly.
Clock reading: {"hour": 9, "minute": 27}
